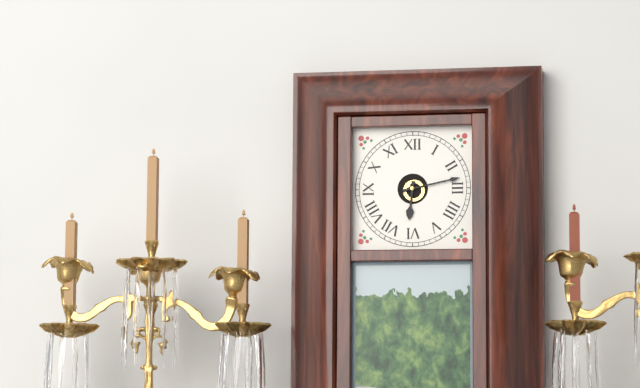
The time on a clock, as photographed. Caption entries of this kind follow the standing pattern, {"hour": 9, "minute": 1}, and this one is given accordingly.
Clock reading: {"hour": 6, "minute": 13}
